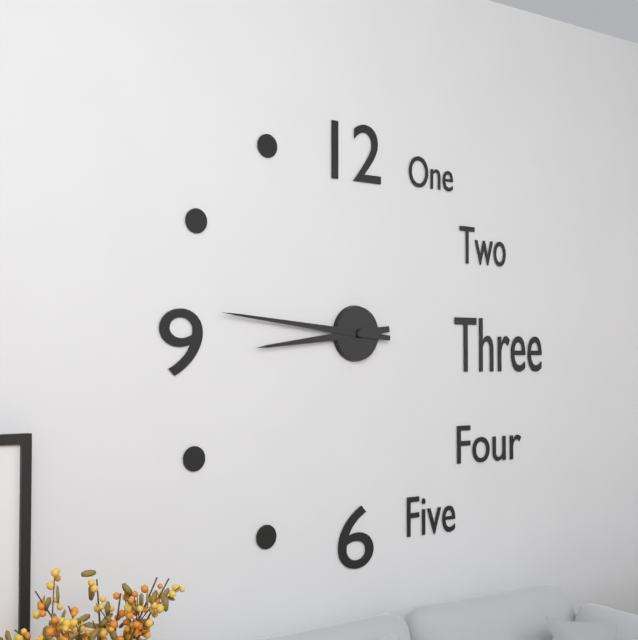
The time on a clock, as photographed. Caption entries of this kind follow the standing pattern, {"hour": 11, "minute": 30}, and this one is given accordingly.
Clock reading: {"hour": 8, "minute": 46}
